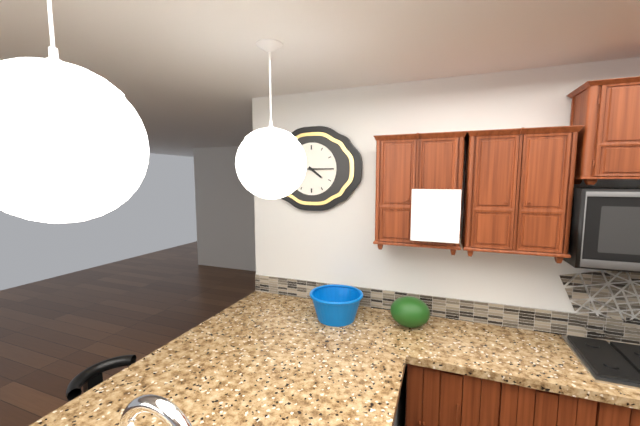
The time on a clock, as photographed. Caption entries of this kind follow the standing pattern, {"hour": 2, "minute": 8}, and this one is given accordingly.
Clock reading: {"hour": 4, "minute": 15}
